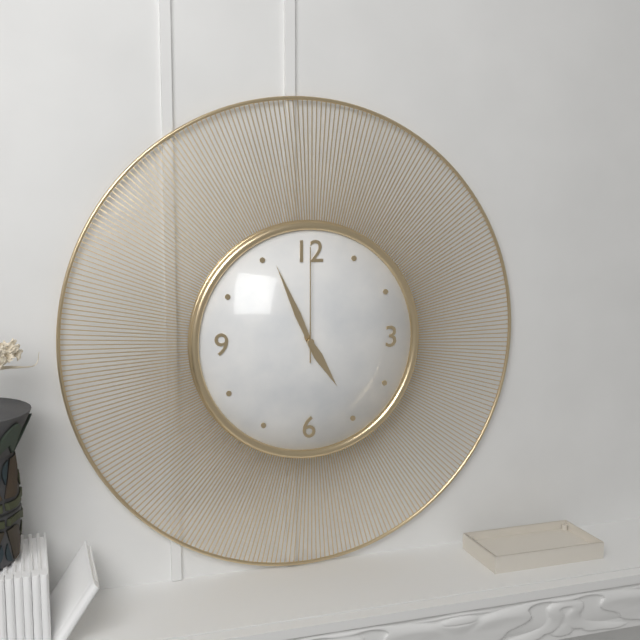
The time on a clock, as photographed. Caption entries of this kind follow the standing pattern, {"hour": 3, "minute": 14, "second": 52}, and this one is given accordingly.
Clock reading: {"hour": 4, "minute": 56, "second": 0}
